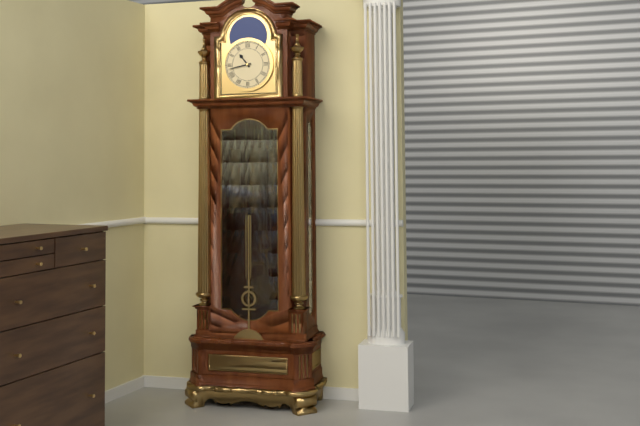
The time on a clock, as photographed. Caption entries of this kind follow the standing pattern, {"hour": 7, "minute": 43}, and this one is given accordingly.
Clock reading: {"hour": 10, "minute": 43}
